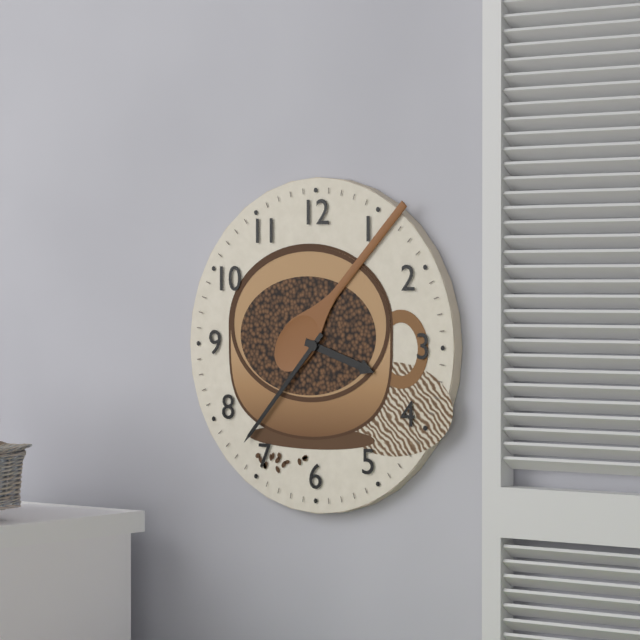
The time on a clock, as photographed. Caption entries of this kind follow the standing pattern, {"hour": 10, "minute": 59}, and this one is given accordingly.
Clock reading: {"hour": 3, "minute": 37}
